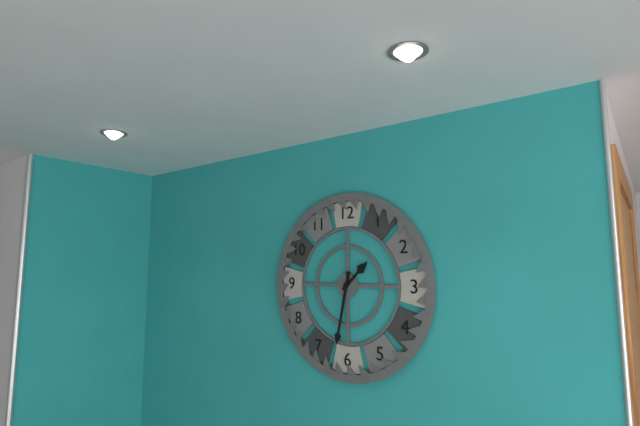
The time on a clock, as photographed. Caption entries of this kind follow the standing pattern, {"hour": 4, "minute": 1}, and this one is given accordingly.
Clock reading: {"hour": 1, "minute": 32}
